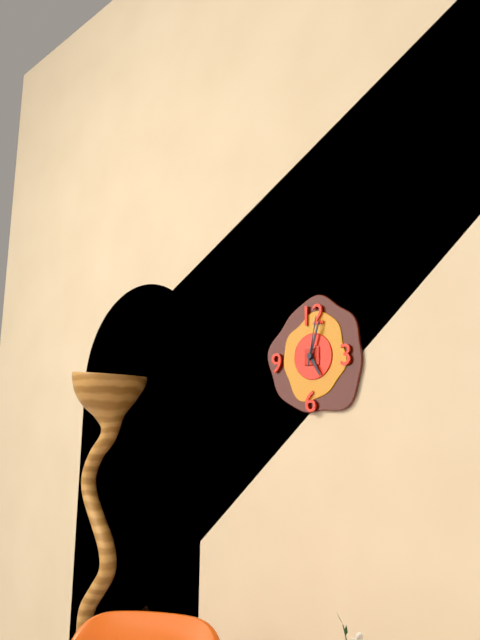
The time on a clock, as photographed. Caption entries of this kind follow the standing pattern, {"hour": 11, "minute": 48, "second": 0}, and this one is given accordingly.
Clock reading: {"hour": 5, "minute": 3, "second": 2}
